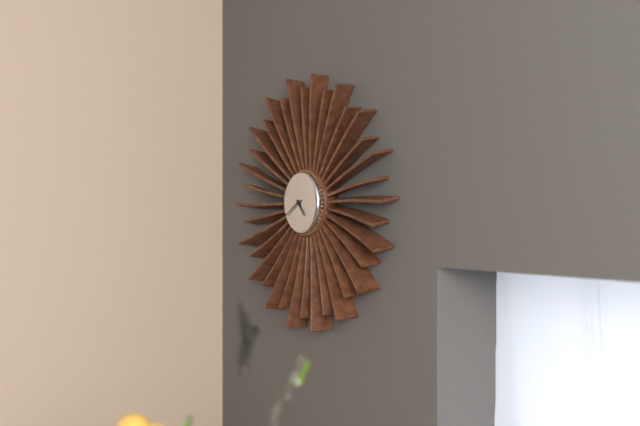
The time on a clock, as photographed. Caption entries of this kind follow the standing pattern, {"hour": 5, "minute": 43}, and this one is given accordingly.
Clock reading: {"hour": 4, "minute": 40}
